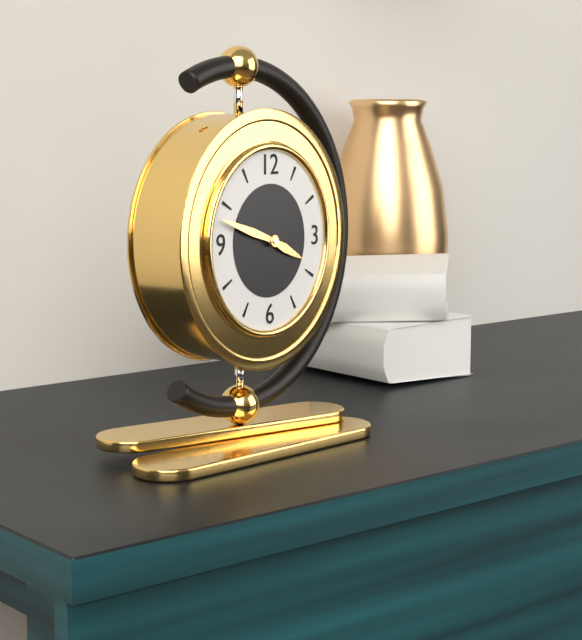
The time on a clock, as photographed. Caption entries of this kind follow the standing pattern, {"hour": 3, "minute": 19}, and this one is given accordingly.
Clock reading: {"hour": 3, "minute": 48}
